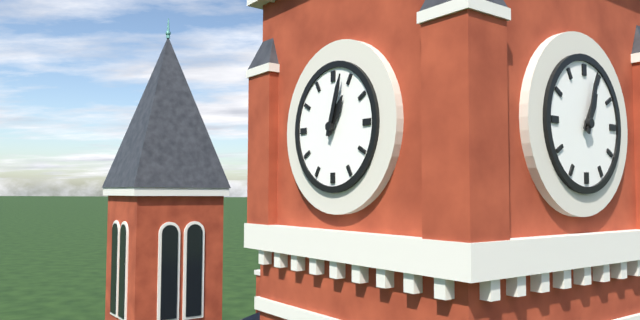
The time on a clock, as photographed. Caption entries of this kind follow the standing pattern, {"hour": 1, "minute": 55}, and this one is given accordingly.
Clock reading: {"hour": 1, "minute": 3}
